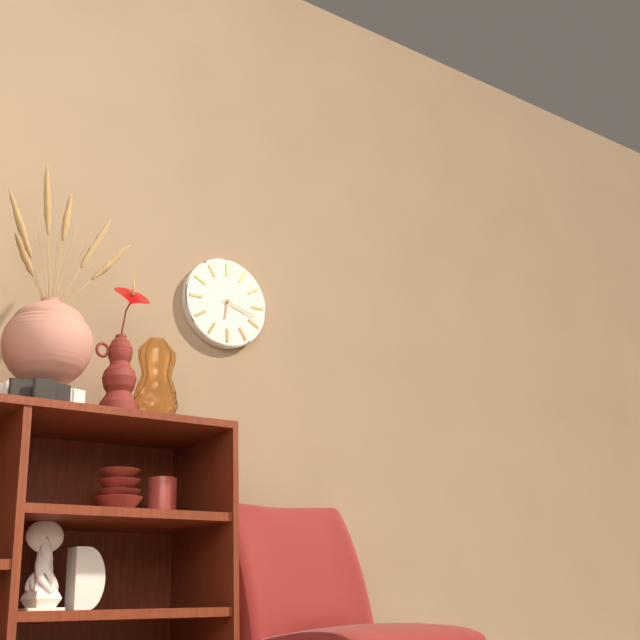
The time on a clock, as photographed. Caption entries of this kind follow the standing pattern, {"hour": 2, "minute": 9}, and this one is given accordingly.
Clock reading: {"hour": 6, "minute": 18}
